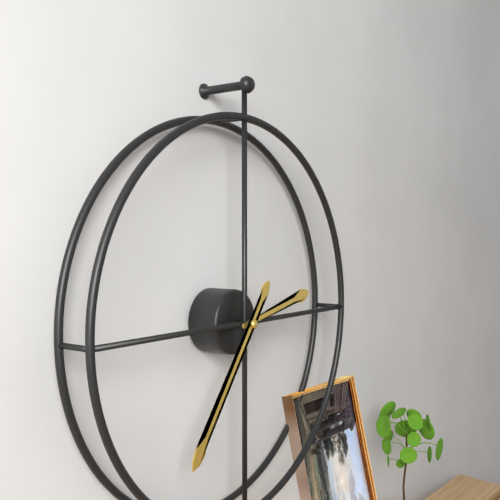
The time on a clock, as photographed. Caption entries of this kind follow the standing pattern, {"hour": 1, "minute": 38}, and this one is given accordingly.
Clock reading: {"hour": 2, "minute": 36}
